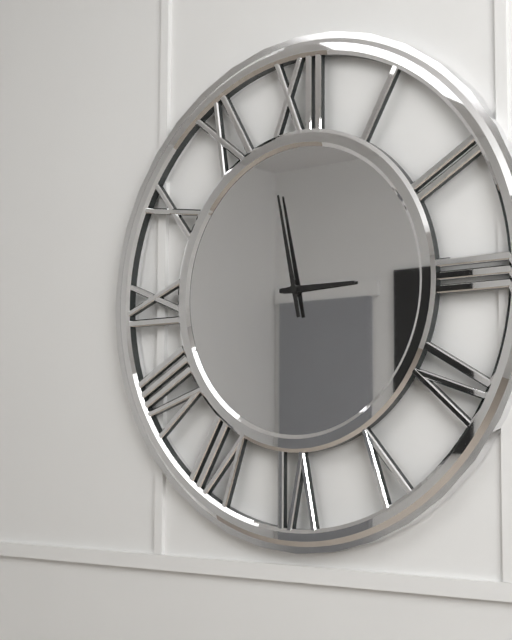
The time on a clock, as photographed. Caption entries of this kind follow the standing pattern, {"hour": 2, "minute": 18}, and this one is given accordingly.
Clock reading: {"hour": 2, "minute": 58}
